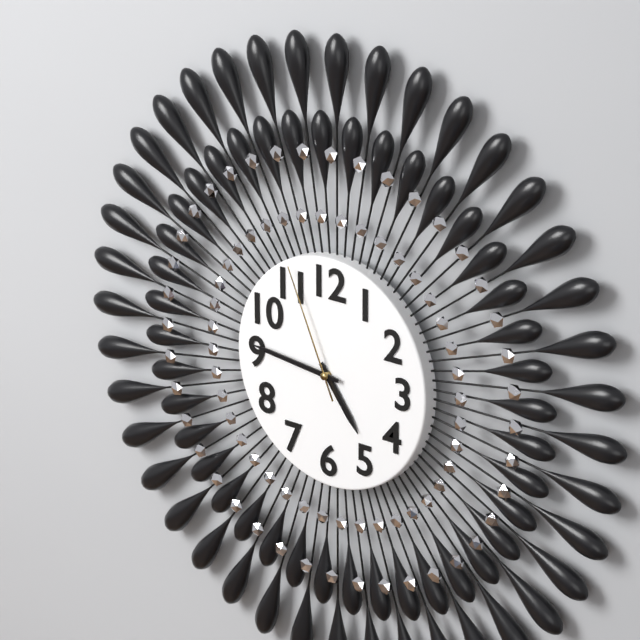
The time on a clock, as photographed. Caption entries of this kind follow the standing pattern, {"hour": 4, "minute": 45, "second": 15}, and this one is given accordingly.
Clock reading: {"hour": 4, "minute": 46, "second": 56}
